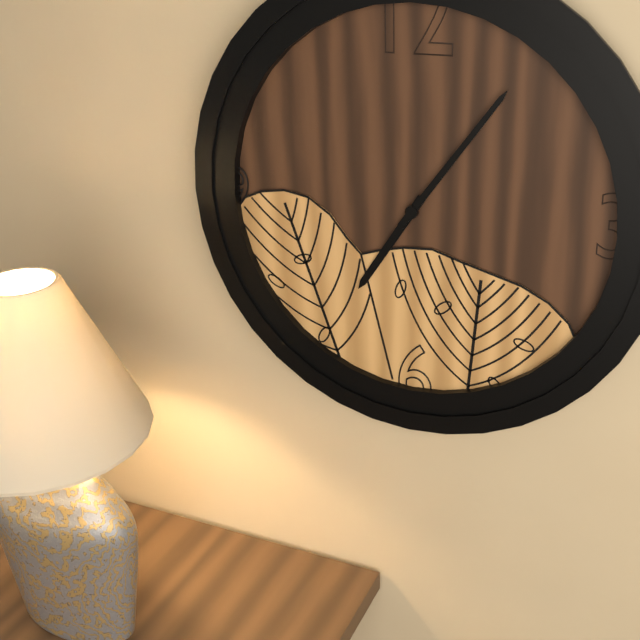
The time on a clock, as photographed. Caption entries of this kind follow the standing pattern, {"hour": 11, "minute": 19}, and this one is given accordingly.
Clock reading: {"hour": 7, "minute": 6}
